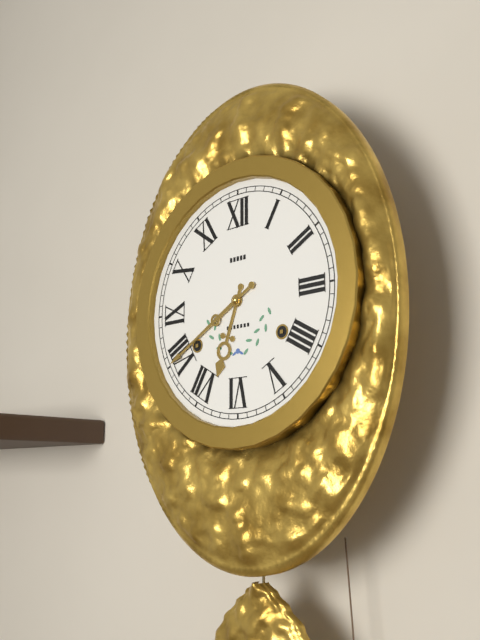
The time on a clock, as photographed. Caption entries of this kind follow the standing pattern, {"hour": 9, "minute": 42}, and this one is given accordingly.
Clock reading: {"hour": 6, "minute": 40}
